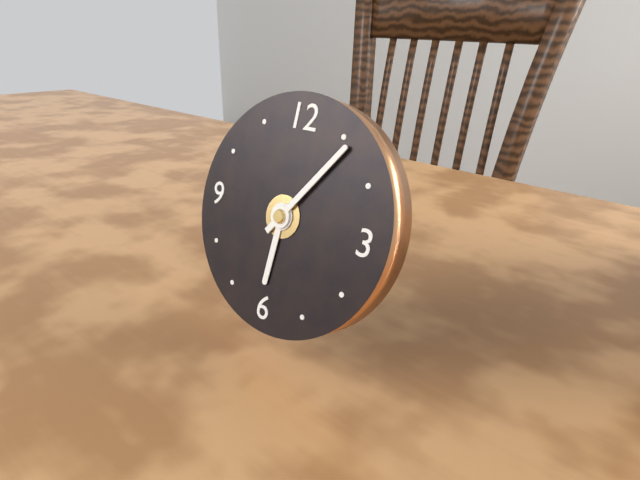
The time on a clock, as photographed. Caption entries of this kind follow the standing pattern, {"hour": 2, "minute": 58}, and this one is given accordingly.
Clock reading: {"hour": 6, "minute": 6}
